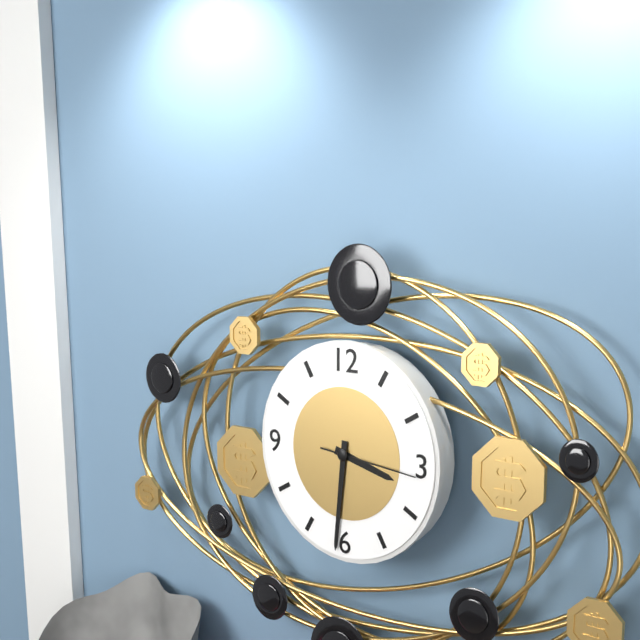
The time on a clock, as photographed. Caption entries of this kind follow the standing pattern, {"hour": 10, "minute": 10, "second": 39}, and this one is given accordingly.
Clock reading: {"hour": 3, "minute": 31, "second": 16}
